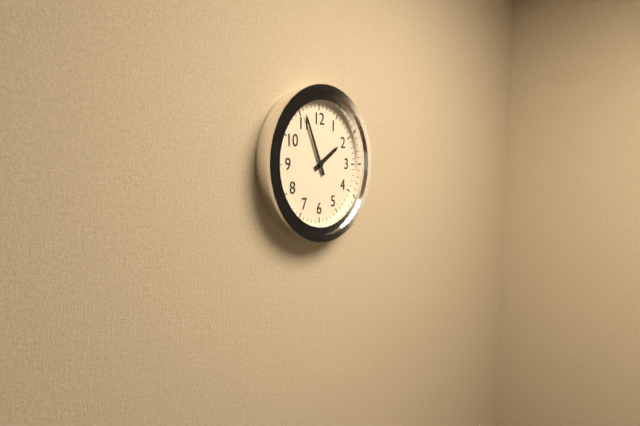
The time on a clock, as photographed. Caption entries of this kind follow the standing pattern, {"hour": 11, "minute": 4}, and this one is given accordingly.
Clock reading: {"hour": 1, "minute": 56}
